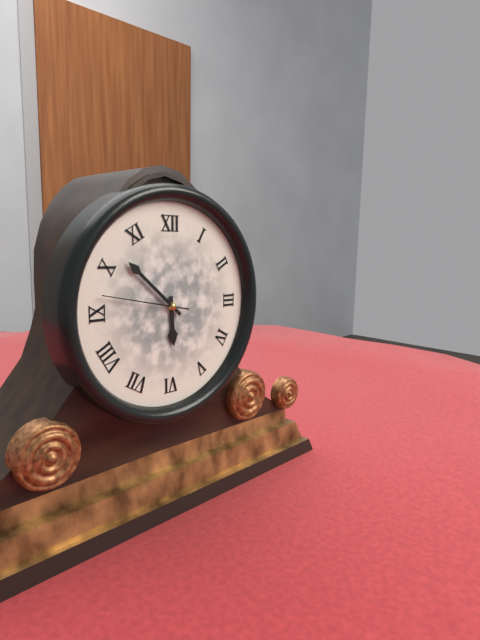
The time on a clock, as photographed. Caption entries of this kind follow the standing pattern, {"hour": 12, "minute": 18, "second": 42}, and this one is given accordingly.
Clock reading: {"hour": 5, "minute": 52, "second": 47}
